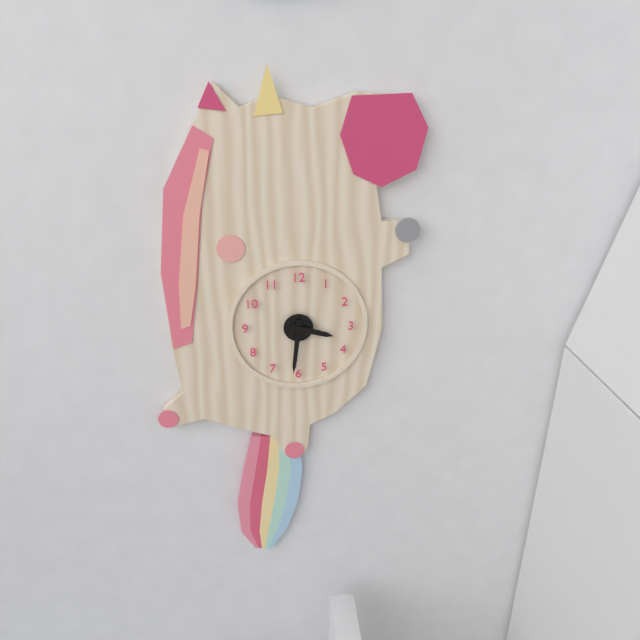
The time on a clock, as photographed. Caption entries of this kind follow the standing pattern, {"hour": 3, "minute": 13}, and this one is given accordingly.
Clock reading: {"hour": 3, "minute": 31}
